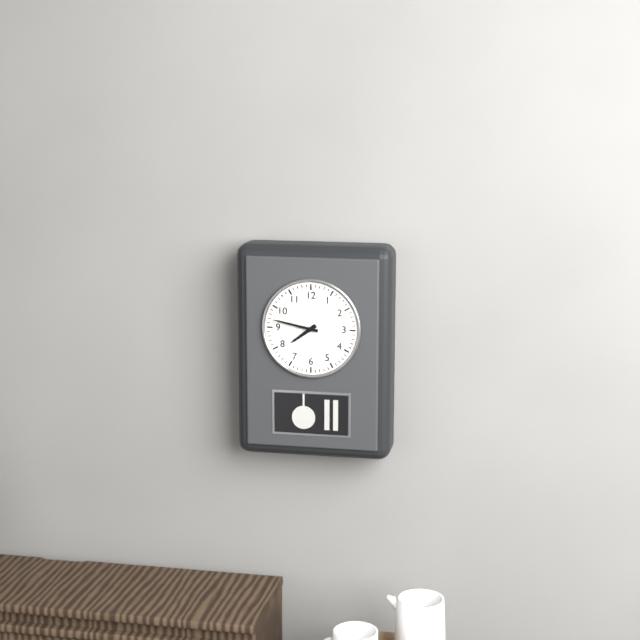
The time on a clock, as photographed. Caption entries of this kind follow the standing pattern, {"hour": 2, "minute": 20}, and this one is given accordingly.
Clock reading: {"hour": 7, "minute": 47}
